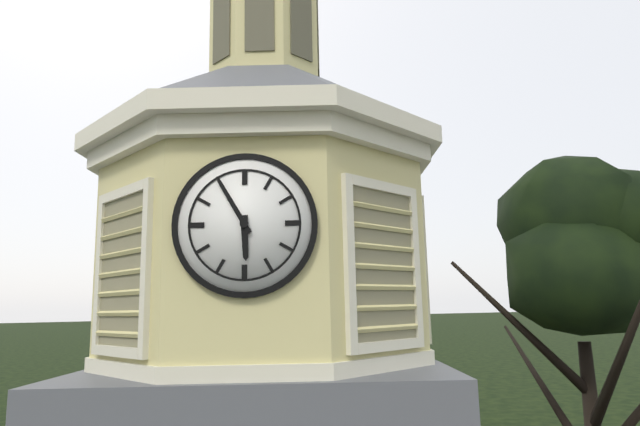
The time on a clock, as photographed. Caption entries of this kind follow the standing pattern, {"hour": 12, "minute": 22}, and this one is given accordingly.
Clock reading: {"hour": 5, "minute": 55}
